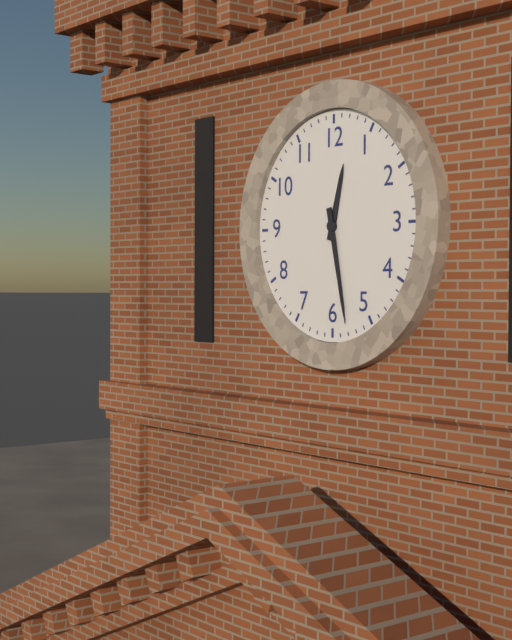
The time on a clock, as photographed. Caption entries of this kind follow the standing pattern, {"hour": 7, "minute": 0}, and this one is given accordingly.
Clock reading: {"hour": 12, "minute": 28}
